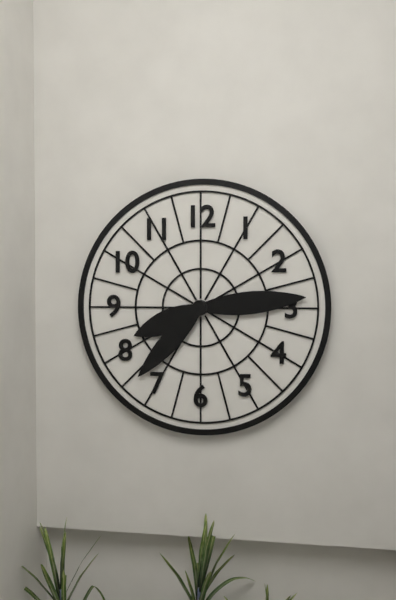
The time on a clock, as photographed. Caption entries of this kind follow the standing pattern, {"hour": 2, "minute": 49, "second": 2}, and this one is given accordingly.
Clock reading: {"hour": 8, "minute": 14, "second": 37}
